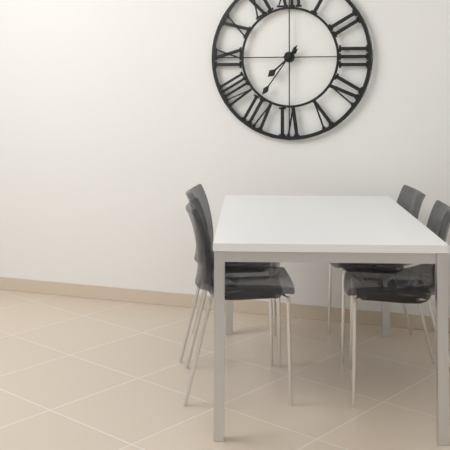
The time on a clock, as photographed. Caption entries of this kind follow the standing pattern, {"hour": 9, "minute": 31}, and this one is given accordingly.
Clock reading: {"hour": 7, "minute": 36}
